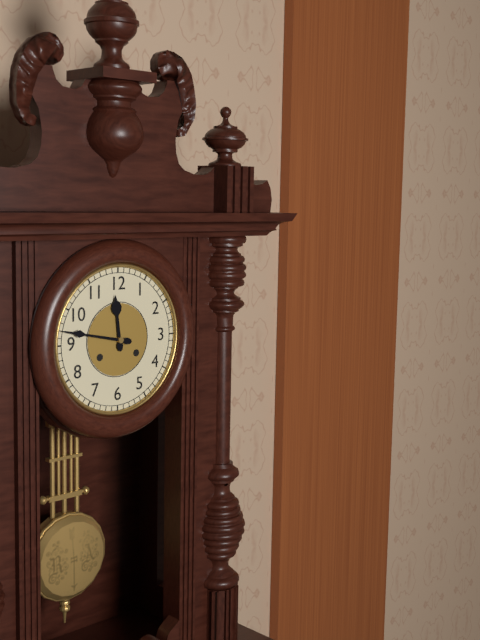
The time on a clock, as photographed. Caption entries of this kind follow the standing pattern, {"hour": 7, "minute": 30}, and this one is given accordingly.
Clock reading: {"hour": 11, "minute": 47}
